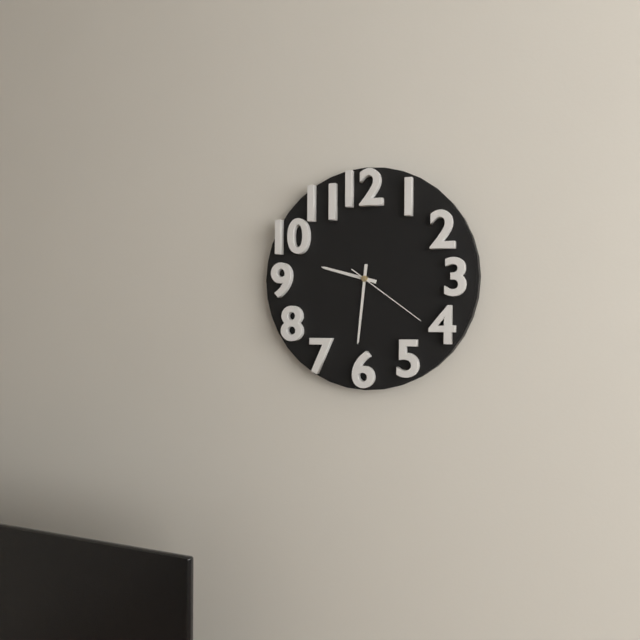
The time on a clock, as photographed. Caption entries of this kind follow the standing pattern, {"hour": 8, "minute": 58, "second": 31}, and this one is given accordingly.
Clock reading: {"hour": 9, "minute": 31, "second": 21}
